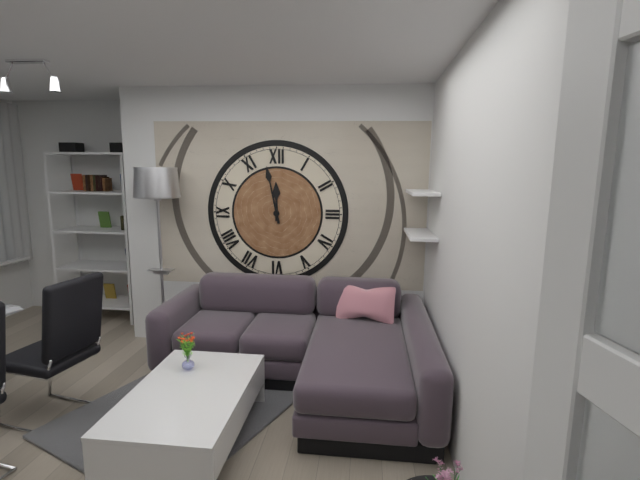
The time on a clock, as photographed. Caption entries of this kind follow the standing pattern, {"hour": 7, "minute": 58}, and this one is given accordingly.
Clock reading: {"hour": 11, "minute": 58}
